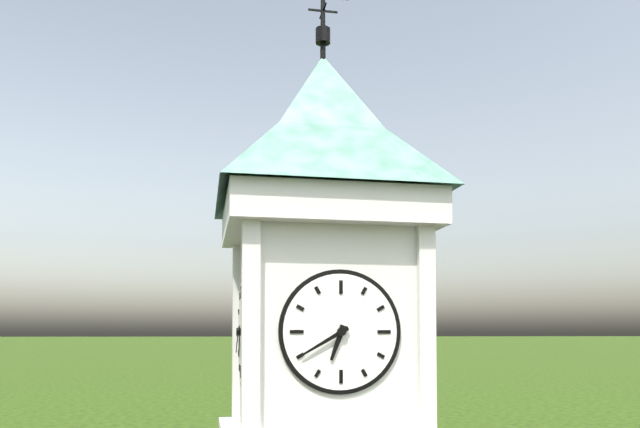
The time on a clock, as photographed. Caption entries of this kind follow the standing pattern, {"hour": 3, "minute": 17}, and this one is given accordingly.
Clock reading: {"hour": 6, "minute": 40}
